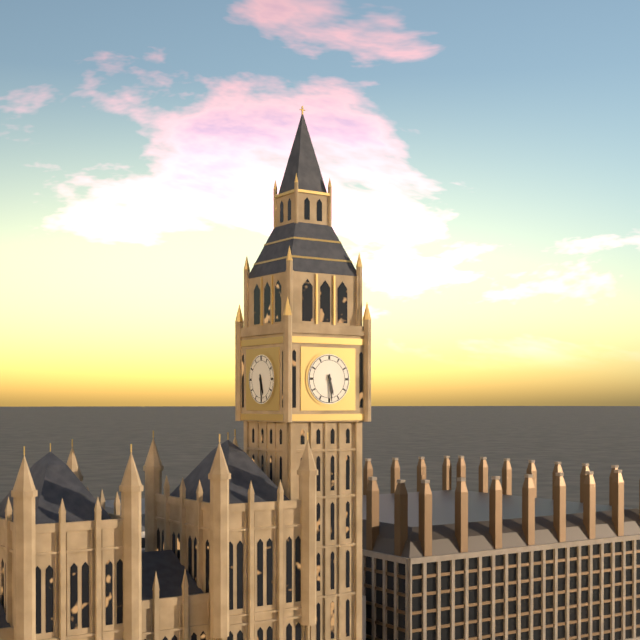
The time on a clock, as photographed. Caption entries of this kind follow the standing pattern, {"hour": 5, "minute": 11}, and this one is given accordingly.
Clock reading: {"hour": 5, "minute": 29}
